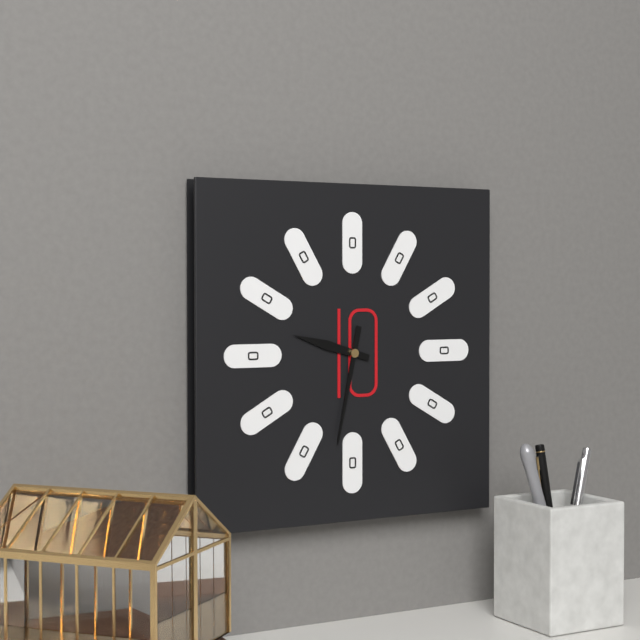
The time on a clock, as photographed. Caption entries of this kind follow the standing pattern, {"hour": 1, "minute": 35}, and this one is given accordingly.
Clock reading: {"hour": 9, "minute": 32}
